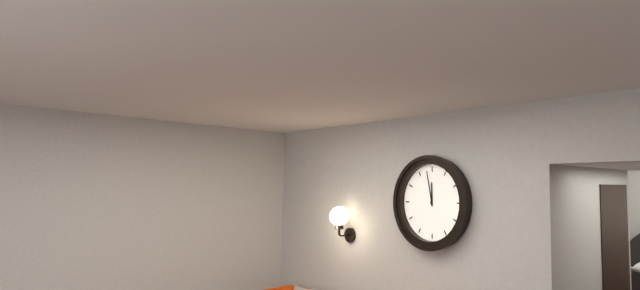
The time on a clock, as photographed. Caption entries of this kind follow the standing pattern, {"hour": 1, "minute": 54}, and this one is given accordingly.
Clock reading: {"hour": 11, "minute": 58}
